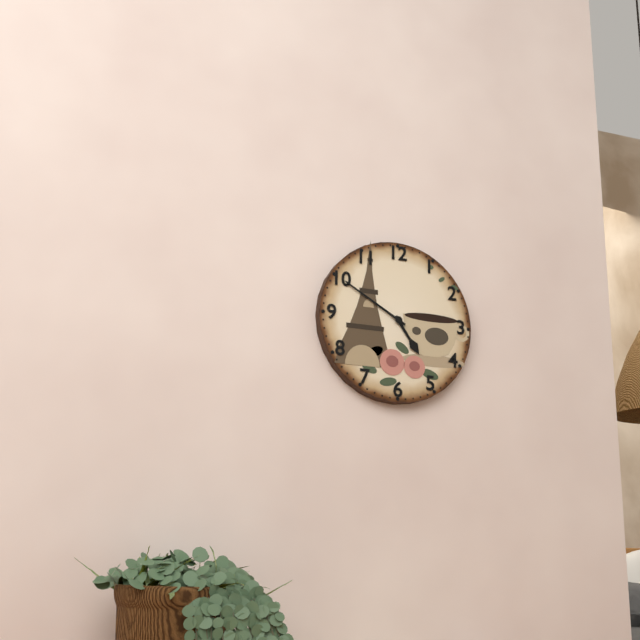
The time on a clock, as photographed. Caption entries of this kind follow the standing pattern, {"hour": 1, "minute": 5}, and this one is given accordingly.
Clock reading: {"hour": 4, "minute": 50}
